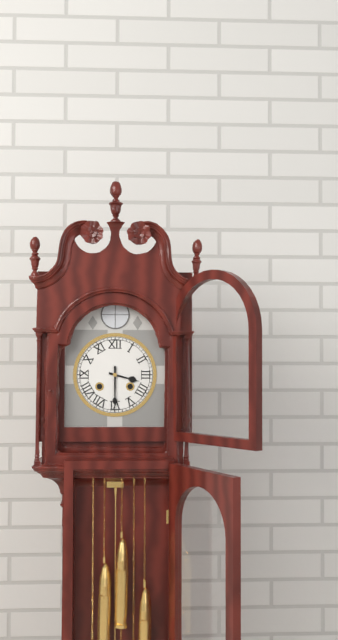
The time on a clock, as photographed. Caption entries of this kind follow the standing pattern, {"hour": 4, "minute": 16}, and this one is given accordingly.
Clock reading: {"hour": 3, "minute": 30}
